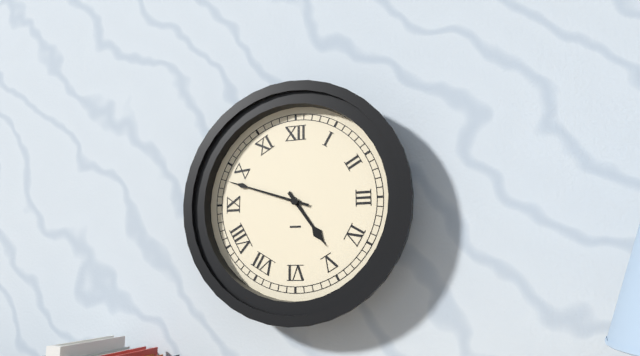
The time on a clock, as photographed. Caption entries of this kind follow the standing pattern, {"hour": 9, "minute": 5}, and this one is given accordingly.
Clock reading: {"hour": 4, "minute": 48}
